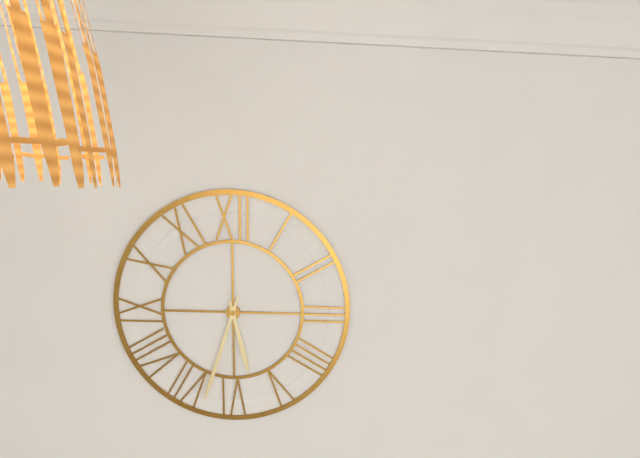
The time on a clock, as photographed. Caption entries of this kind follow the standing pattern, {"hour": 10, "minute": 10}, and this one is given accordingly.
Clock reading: {"hour": 5, "minute": 33}
